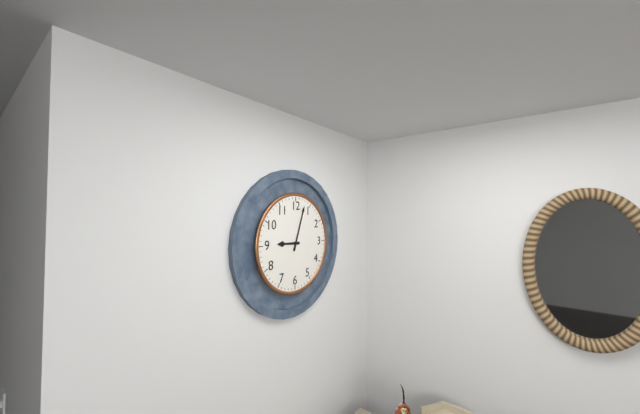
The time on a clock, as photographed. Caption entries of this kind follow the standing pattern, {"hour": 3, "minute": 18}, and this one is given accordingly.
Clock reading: {"hour": 9, "minute": 3}
